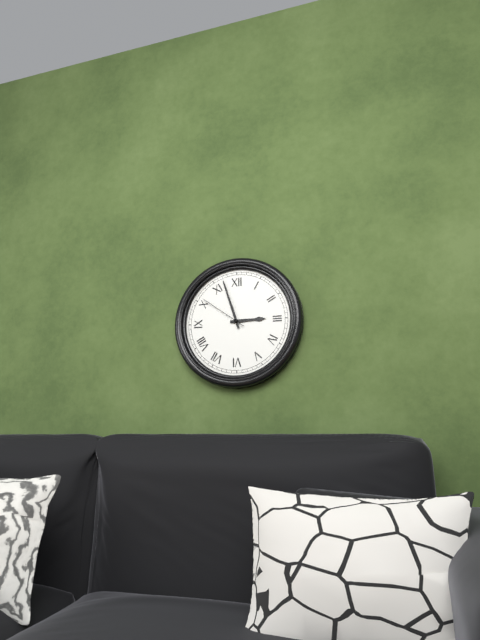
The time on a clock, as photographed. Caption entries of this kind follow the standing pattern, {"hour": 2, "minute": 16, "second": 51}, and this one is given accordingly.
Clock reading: {"hour": 2, "minute": 57, "second": 51}
